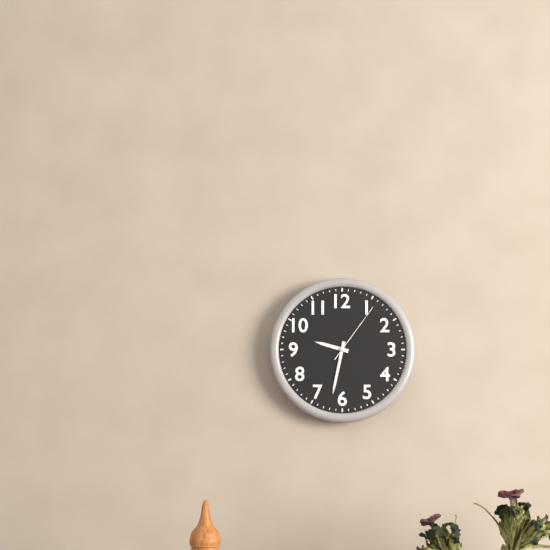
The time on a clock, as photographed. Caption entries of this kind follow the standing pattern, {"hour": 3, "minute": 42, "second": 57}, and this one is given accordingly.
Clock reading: {"hour": 9, "minute": 32, "second": 6}
